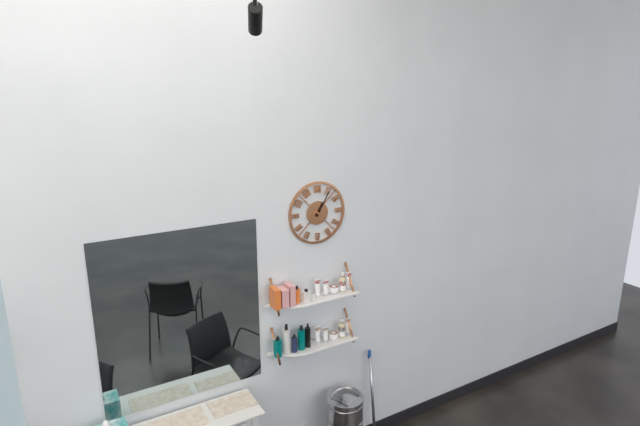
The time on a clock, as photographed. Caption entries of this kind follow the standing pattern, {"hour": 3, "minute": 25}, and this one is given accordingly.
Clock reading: {"hour": 1, "minute": 5}
